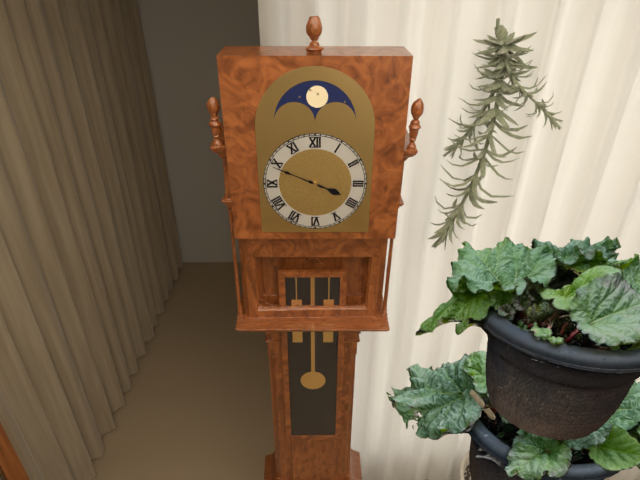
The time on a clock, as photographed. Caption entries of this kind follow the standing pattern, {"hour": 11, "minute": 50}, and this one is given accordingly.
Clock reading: {"hour": 3, "minute": 49}
